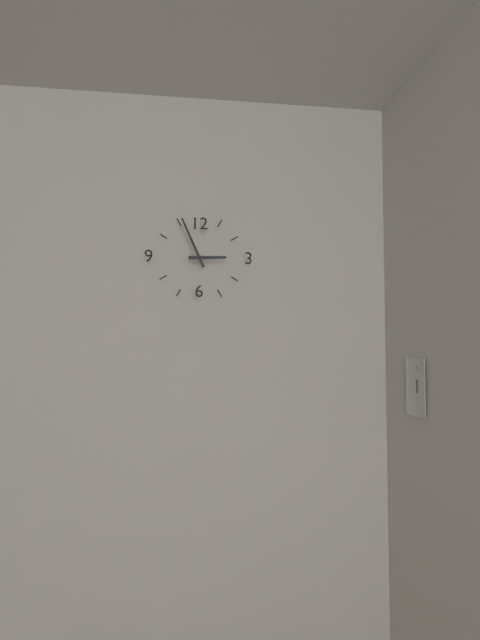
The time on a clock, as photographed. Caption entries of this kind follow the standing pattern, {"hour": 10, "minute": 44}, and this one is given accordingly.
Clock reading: {"hour": 2, "minute": 56}
